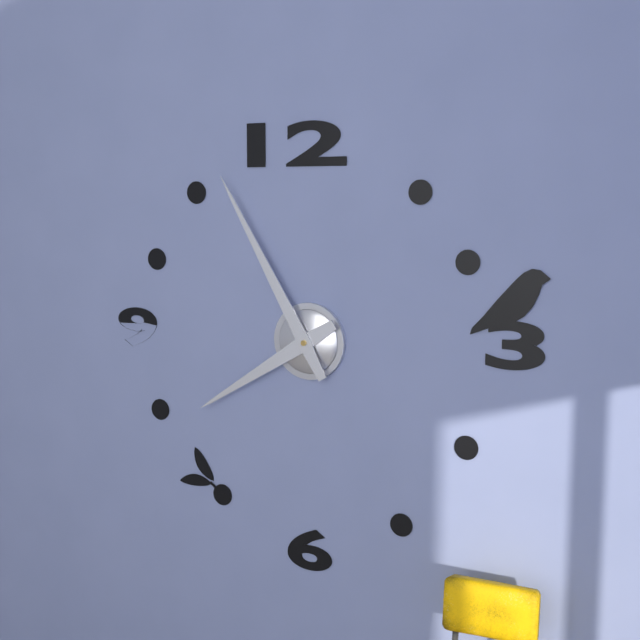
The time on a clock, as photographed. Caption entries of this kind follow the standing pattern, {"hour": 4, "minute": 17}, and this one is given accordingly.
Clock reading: {"hour": 7, "minute": 55}
